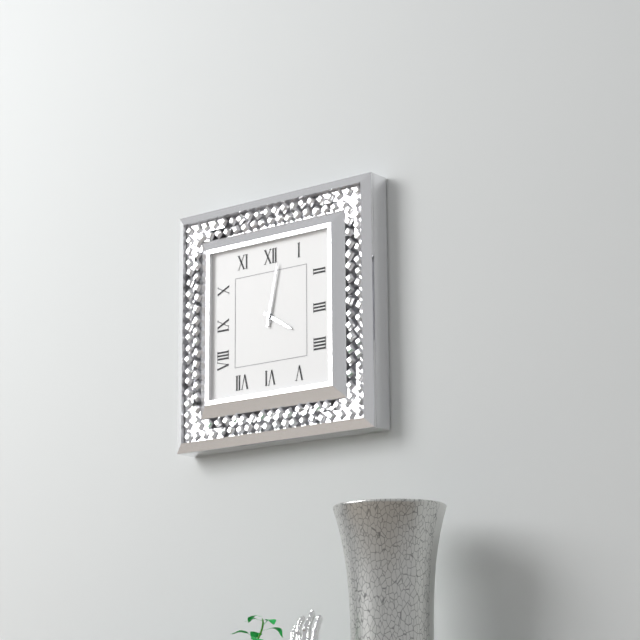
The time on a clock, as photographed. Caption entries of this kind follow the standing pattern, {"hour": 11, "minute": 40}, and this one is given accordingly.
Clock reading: {"hour": 4, "minute": 2}
